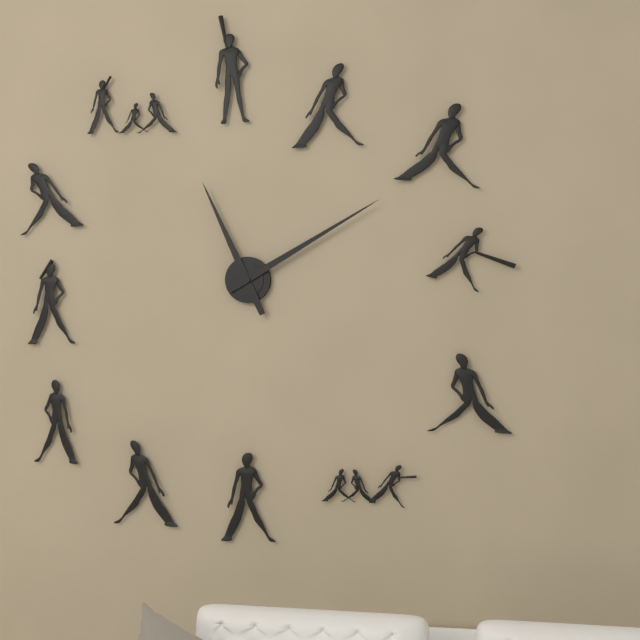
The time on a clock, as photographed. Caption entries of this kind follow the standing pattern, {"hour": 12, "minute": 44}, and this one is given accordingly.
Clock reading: {"hour": 11, "minute": 10}
